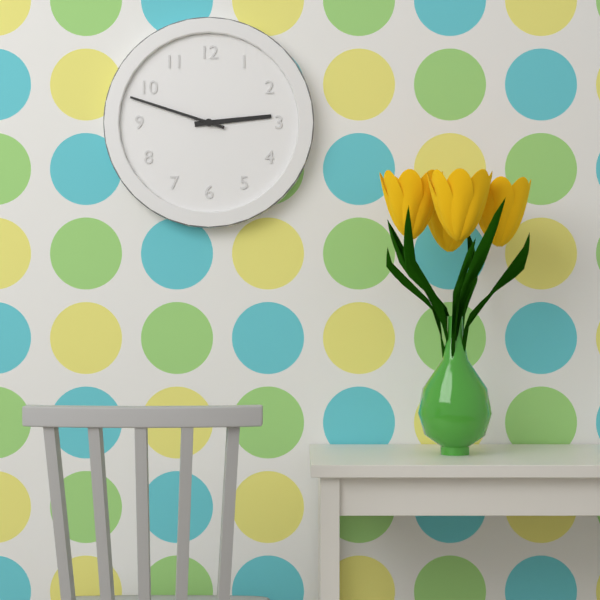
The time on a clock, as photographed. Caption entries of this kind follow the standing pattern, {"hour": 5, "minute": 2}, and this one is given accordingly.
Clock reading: {"hour": 2, "minute": 48}
